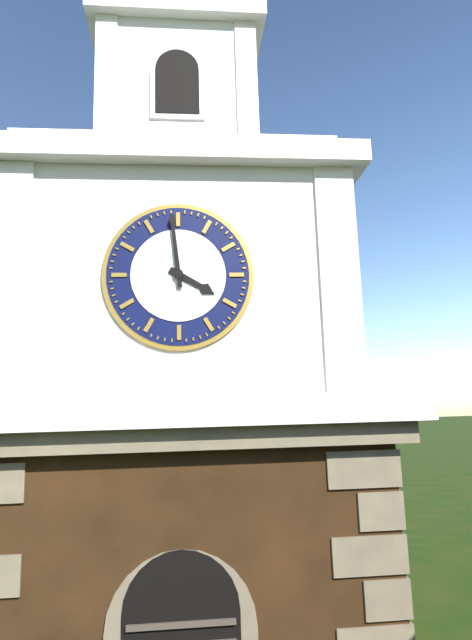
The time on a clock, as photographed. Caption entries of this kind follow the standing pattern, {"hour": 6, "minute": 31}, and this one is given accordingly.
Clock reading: {"hour": 3, "minute": 59}
